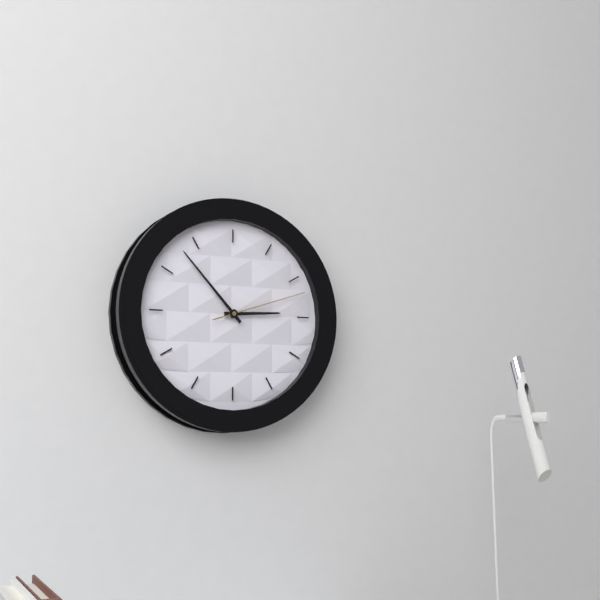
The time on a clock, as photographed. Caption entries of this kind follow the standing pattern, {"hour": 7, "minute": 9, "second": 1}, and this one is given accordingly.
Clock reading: {"hour": 2, "minute": 53, "second": 12}
